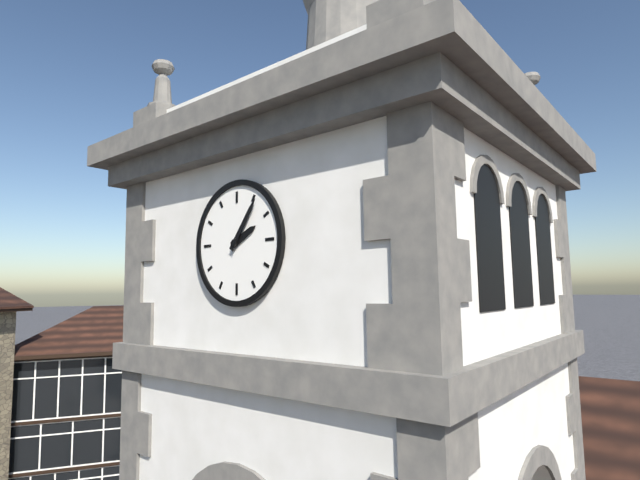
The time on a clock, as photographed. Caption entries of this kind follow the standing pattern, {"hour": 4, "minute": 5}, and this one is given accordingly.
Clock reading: {"hour": 2, "minute": 6}
